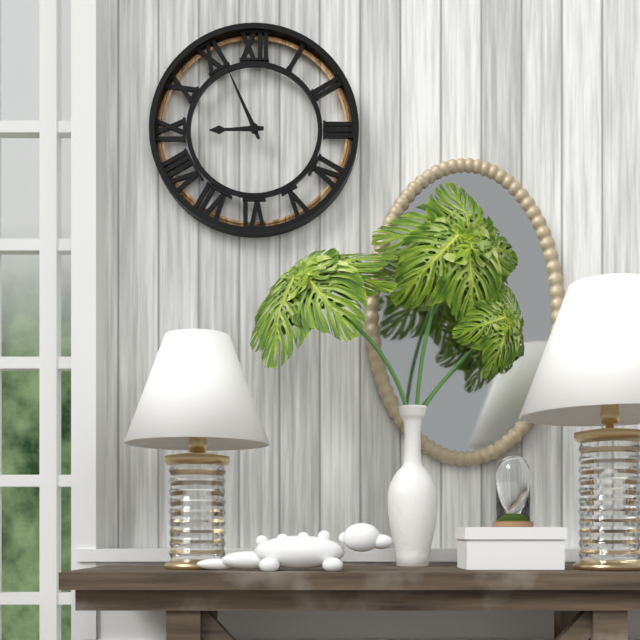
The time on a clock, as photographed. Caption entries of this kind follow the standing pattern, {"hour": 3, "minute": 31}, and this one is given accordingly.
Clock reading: {"hour": 8, "minute": 56}
